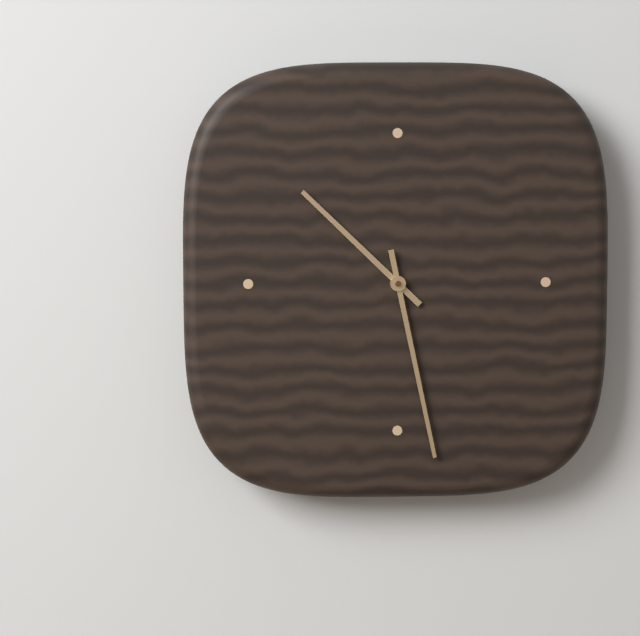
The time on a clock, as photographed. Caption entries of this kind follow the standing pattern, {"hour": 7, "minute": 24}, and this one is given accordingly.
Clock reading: {"hour": 10, "minute": 28}
